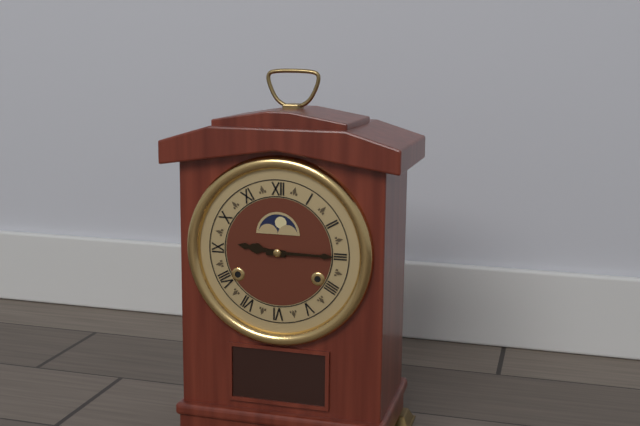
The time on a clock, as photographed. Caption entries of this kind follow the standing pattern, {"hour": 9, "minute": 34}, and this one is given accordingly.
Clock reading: {"hour": 9, "minute": 15}
